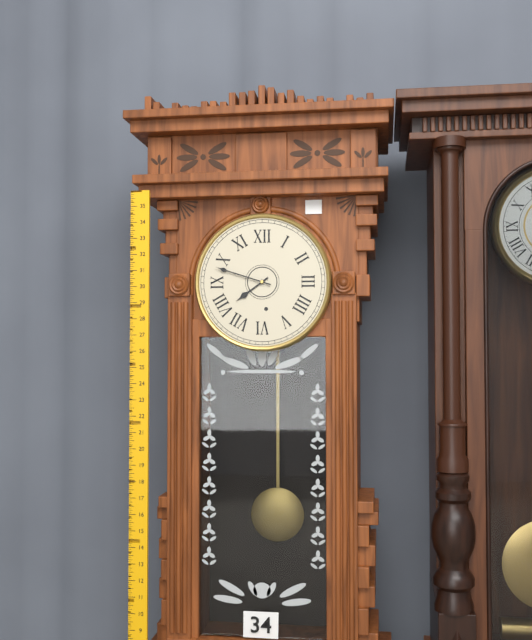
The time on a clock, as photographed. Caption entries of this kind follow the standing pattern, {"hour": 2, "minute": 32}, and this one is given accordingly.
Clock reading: {"hour": 7, "minute": 48}
